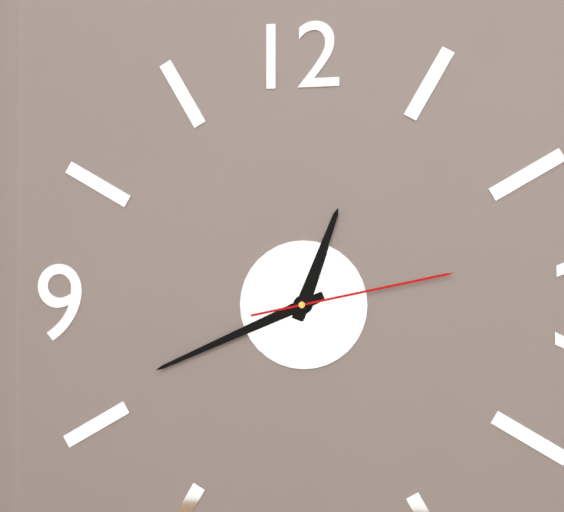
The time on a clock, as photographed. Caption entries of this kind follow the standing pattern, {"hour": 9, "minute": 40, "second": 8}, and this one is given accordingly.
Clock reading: {"hour": 12, "minute": 41, "second": 13}
